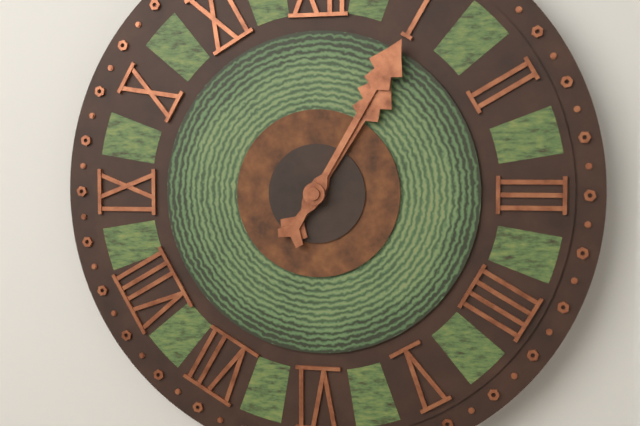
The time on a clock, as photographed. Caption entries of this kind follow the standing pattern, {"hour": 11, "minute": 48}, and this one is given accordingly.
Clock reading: {"hour": 1, "minute": 5}
